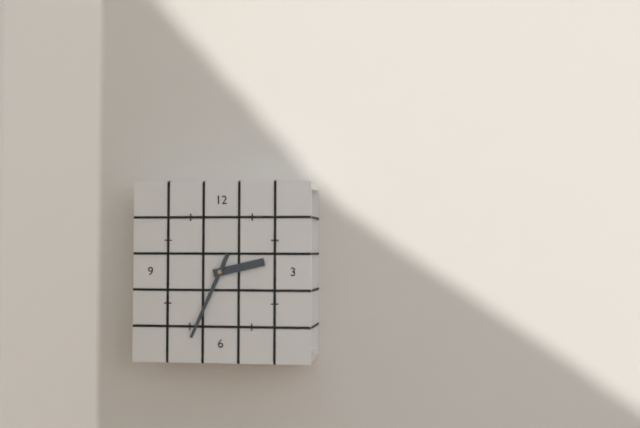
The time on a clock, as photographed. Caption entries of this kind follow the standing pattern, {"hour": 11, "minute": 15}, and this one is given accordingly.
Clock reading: {"hour": 2, "minute": 34}
